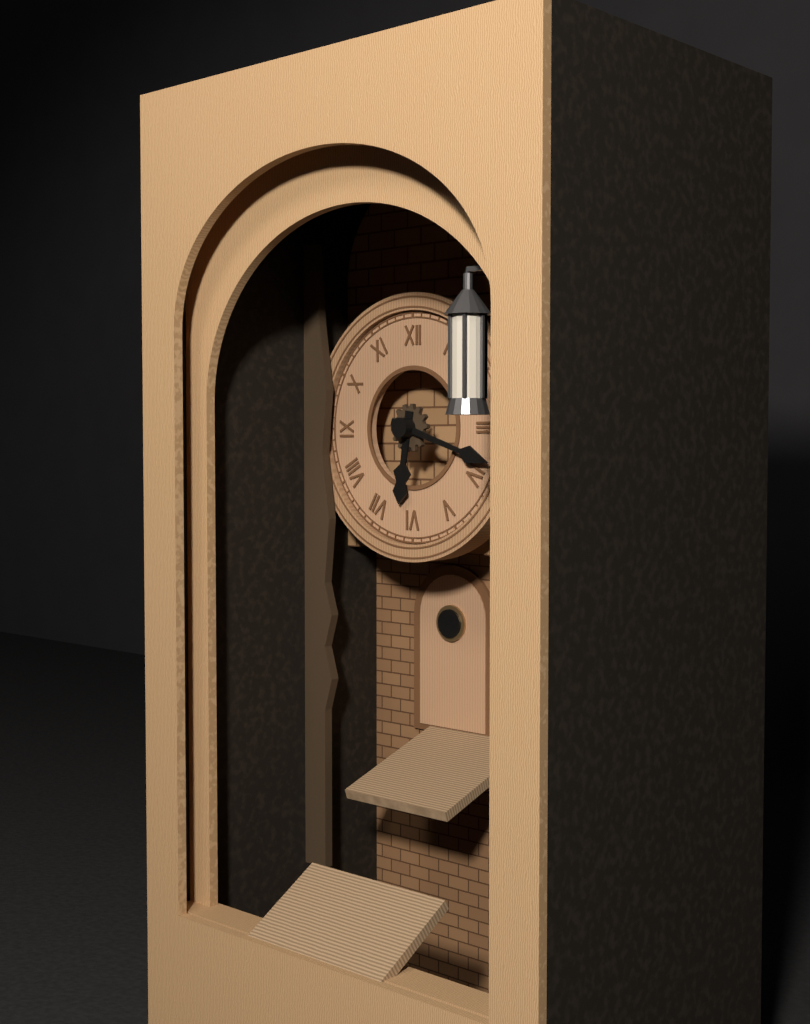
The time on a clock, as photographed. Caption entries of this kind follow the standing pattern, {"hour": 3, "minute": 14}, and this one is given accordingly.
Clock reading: {"hour": 6, "minute": 18}
